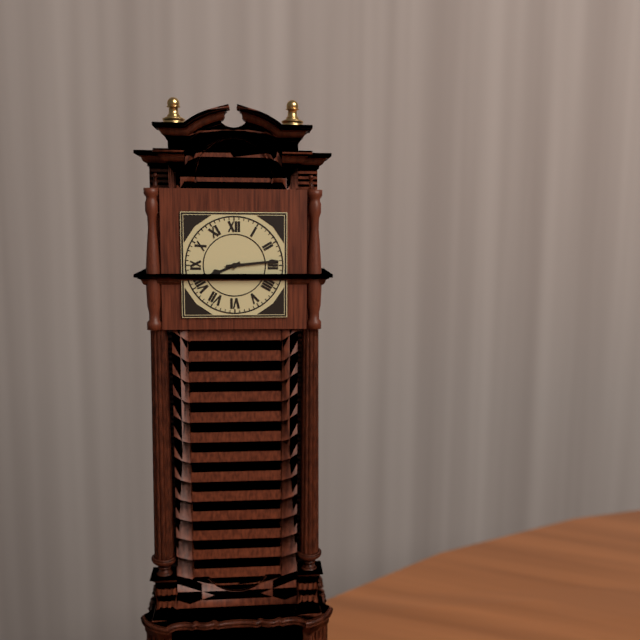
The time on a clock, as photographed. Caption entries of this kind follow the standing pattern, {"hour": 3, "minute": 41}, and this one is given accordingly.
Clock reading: {"hour": 8, "minute": 14}
